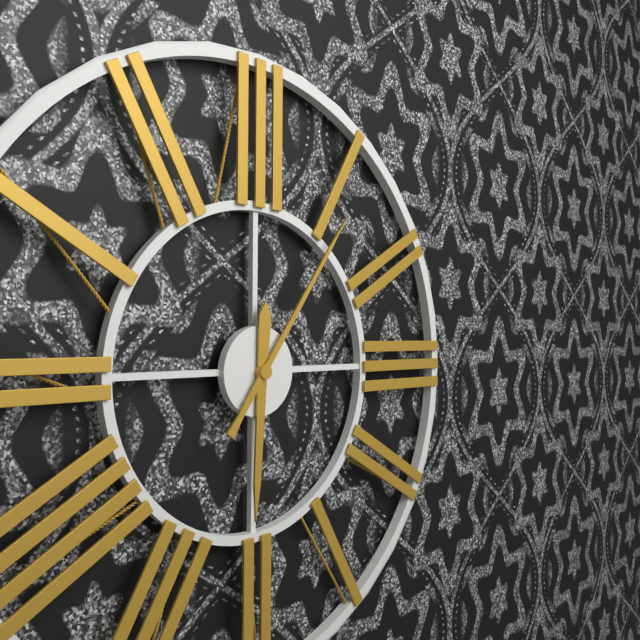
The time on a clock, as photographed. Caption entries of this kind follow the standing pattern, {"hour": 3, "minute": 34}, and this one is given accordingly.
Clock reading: {"hour": 6, "minute": 6}
